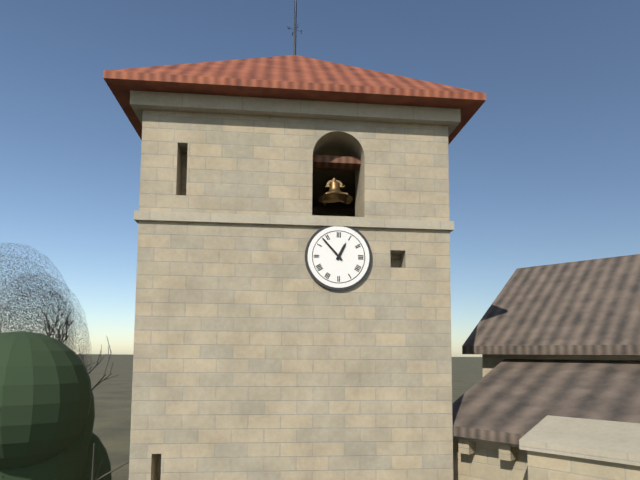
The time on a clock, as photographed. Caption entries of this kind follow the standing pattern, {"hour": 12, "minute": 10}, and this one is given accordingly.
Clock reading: {"hour": 12, "minute": 53}
